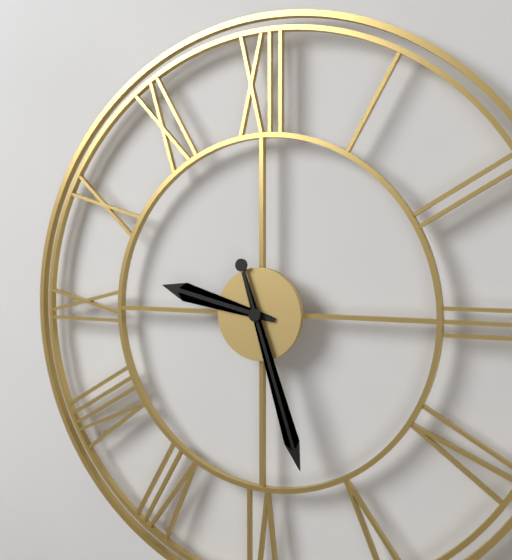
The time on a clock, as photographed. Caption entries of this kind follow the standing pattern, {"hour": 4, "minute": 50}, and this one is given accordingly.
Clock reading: {"hour": 9, "minute": 27}
